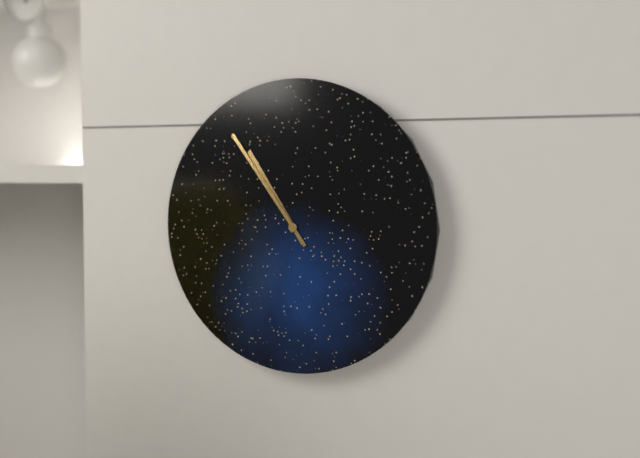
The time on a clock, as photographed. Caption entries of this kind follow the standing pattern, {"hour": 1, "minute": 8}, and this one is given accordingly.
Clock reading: {"hour": 10, "minute": 54}
